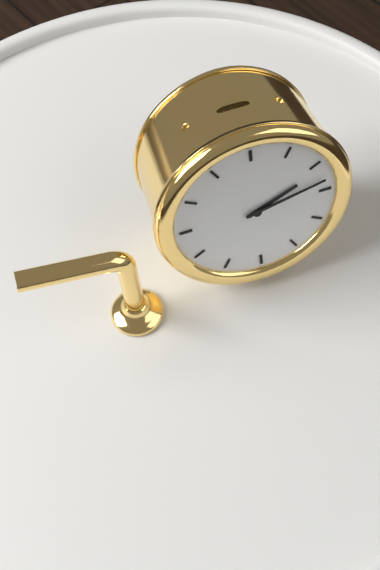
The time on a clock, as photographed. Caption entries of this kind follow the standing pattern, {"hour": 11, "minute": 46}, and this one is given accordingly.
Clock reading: {"hour": 2, "minute": 13}
